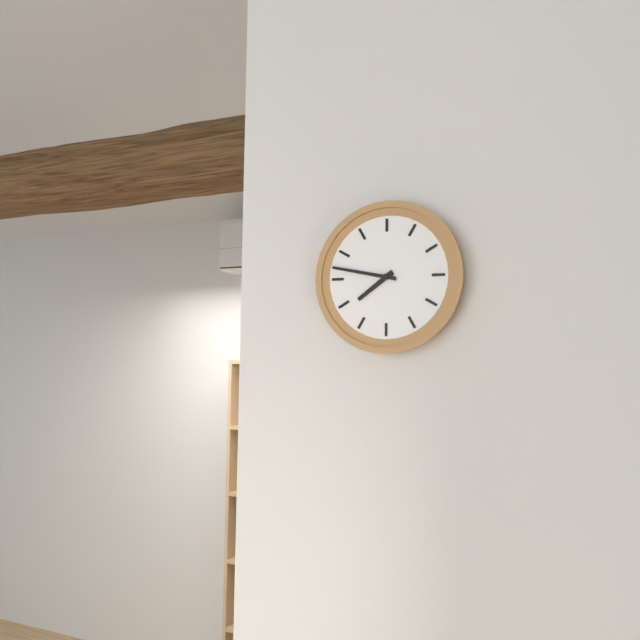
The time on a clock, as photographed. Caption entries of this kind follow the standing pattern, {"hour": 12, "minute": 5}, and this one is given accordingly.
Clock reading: {"hour": 7, "minute": 47}
